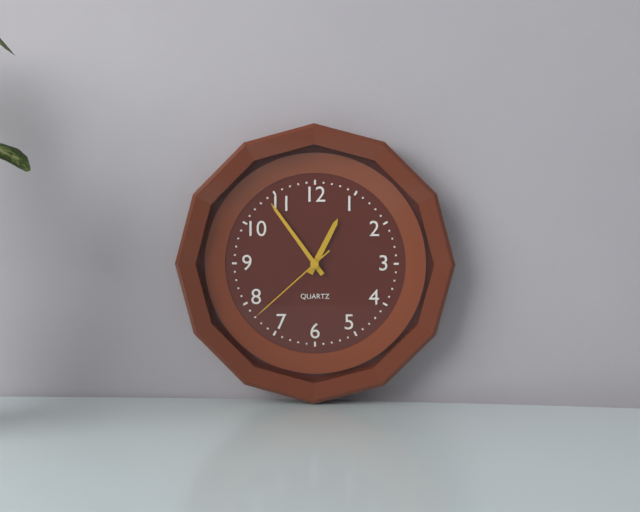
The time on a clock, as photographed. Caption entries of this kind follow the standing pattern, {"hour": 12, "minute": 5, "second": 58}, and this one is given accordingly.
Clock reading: {"hour": 12, "minute": 54, "second": 38}
